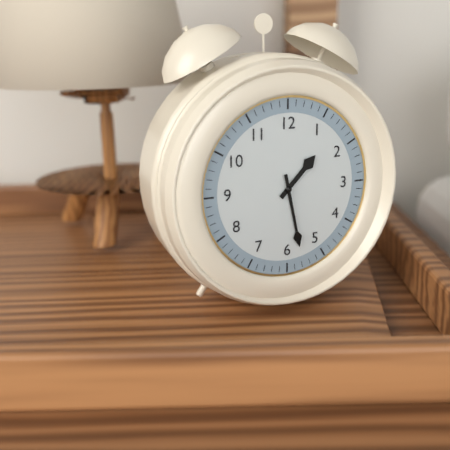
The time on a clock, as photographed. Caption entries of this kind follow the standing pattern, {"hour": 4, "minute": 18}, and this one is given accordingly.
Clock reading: {"hour": 1, "minute": 28}
